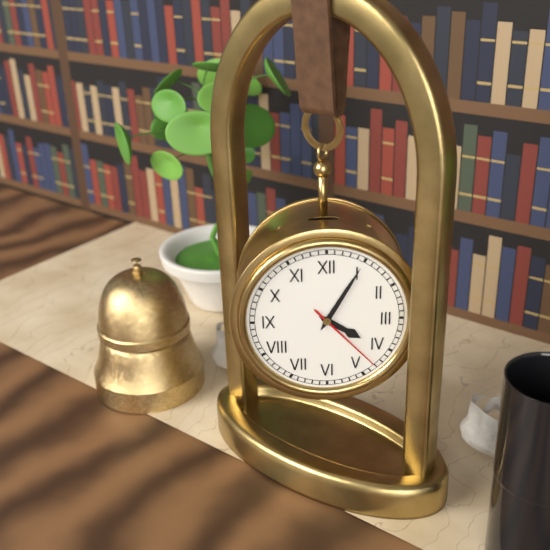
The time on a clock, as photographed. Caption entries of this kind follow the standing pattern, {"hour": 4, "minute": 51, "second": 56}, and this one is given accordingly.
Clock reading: {"hour": 4, "minute": 5, "second": 23}
